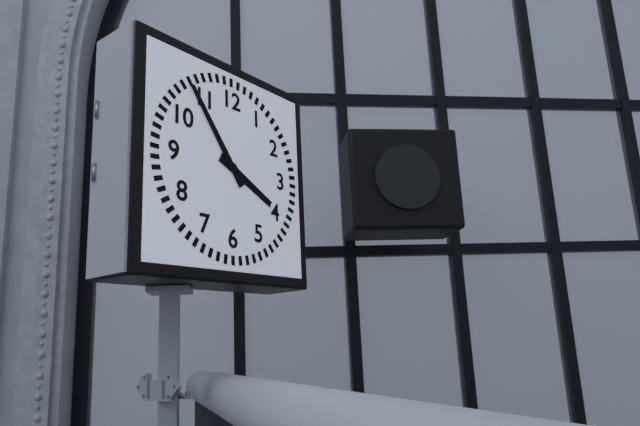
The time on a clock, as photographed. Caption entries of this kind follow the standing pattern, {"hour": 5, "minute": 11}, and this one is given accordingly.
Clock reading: {"hour": 3, "minute": 54}
